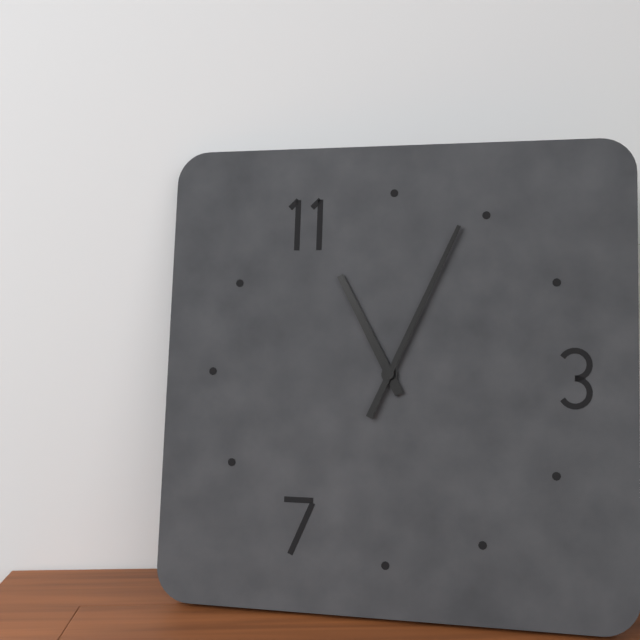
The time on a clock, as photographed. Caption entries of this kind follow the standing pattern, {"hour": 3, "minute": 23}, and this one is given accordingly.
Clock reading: {"hour": 11, "minute": 4}
